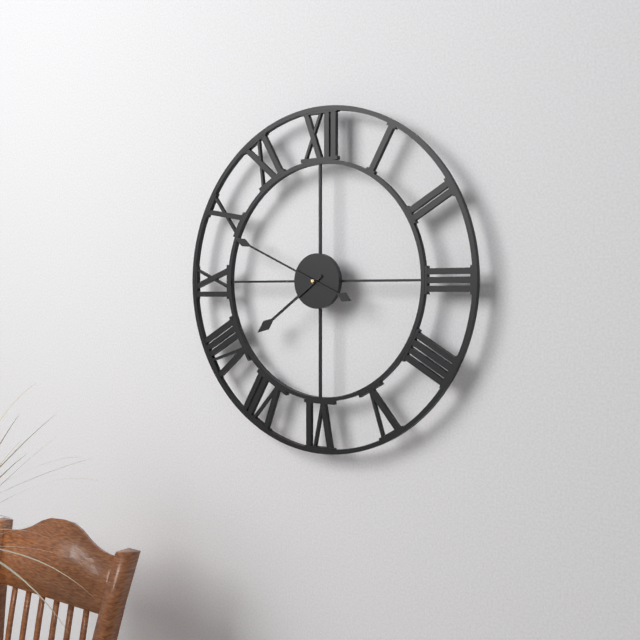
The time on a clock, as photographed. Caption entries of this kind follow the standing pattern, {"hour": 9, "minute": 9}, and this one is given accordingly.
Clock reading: {"hour": 7, "minute": 49}
